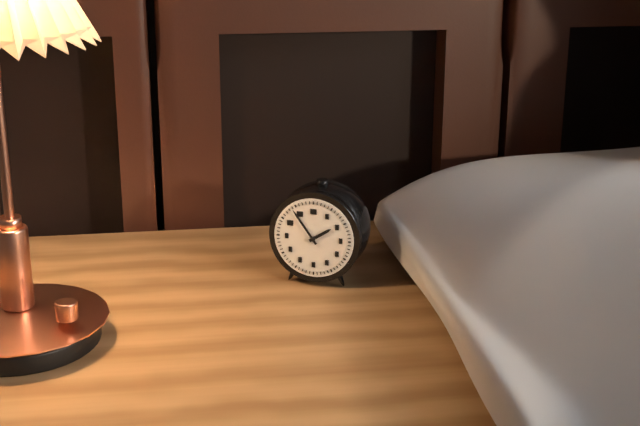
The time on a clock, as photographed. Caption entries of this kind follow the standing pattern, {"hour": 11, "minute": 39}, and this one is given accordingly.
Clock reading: {"hour": 1, "minute": 54}
